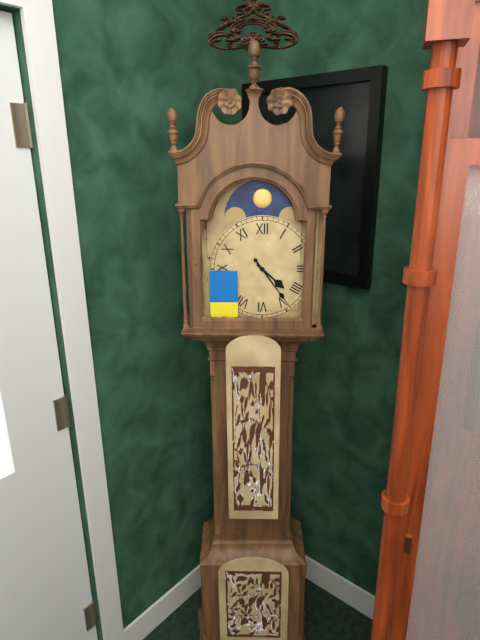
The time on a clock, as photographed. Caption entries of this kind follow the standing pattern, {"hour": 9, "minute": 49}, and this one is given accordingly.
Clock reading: {"hour": 4, "minute": 24}
